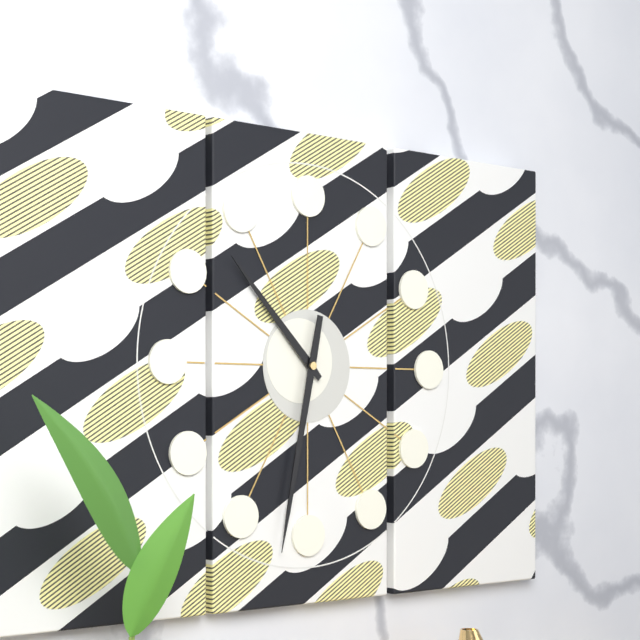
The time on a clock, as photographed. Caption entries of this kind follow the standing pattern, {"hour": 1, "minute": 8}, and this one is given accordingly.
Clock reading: {"hour": 10, "minute": 32}
